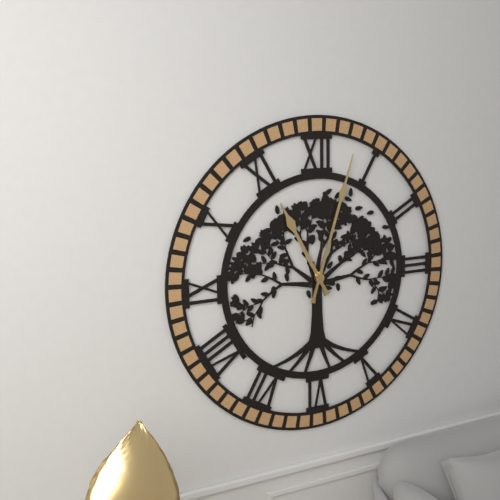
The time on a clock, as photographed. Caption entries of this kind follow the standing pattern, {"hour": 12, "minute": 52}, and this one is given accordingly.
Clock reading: {"hour": 11, "minute": 3}
